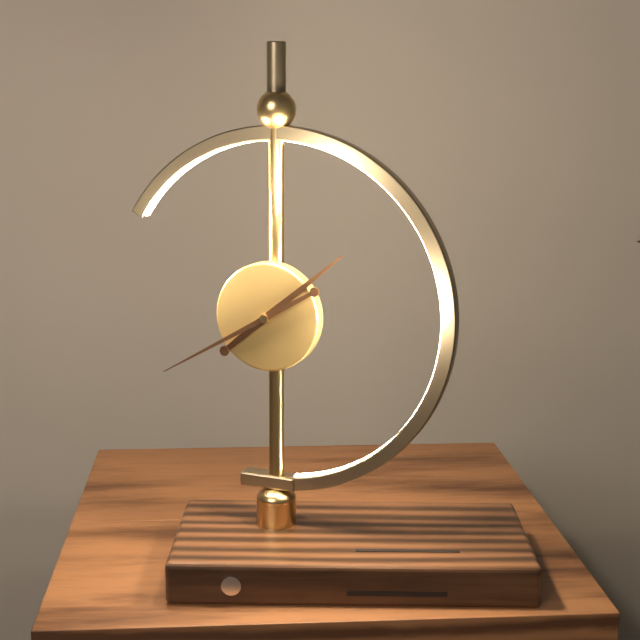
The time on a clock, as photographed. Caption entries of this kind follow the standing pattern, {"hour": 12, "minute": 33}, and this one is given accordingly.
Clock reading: {"hour": 1, "minute": 40}
